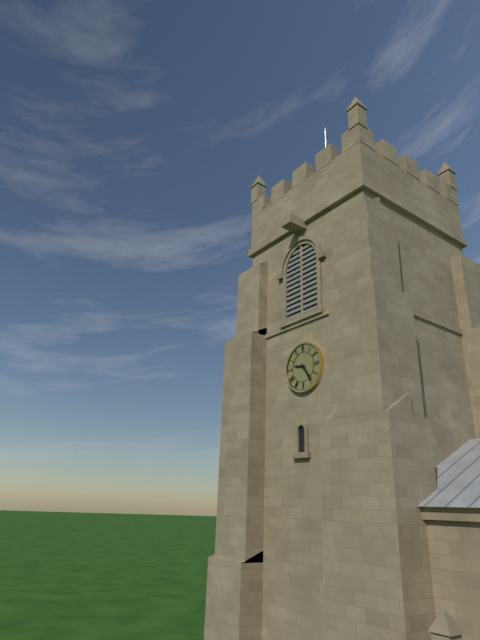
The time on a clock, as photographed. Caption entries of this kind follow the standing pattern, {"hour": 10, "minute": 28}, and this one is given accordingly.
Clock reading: {"hour": 9, "minute": 24}
